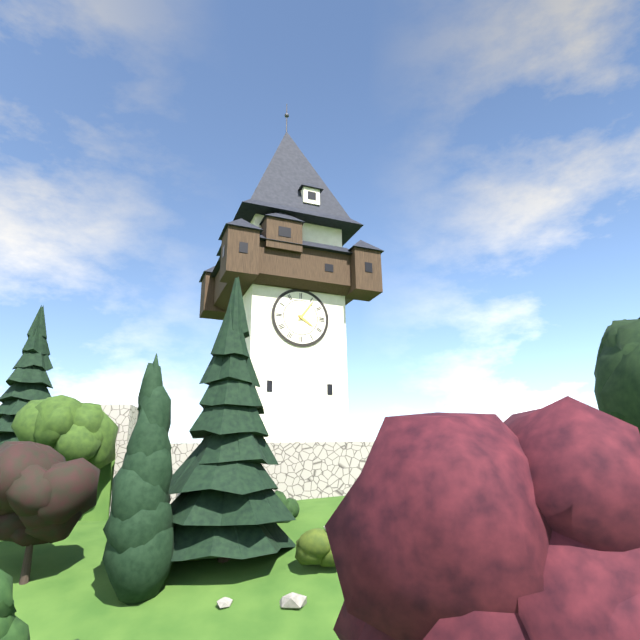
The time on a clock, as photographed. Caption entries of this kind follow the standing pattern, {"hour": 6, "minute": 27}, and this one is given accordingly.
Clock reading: {"hour": 4, "minute": 6}
